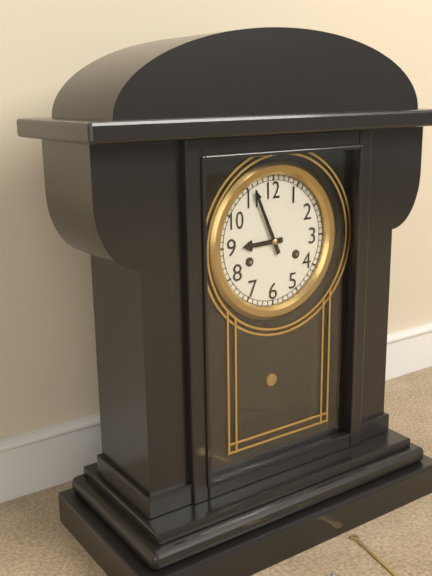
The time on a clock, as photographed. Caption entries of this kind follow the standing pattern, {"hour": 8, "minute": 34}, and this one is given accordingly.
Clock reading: {"hour": 8, "minute": 56}
